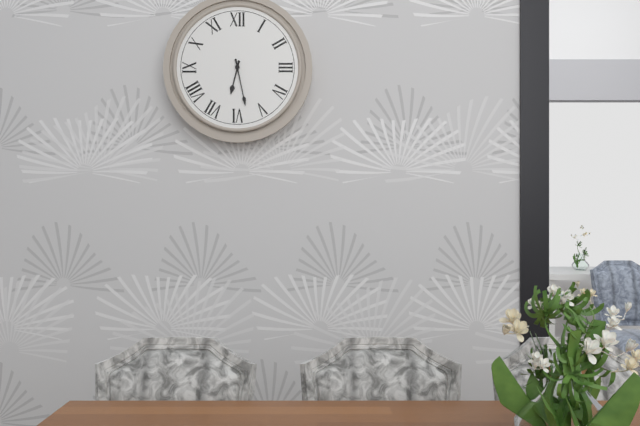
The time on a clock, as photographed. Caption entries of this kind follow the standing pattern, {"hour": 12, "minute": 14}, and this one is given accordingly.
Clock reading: {"hour": 6, "minute": 28}
